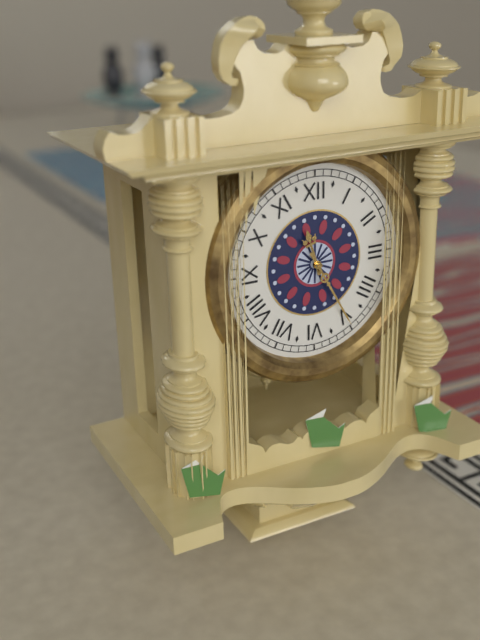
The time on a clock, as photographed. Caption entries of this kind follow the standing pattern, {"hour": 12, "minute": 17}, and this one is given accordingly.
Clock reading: {"hour": 11, "minute": 25}
